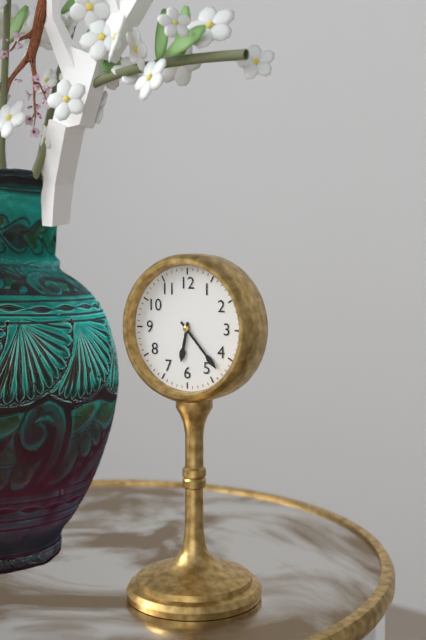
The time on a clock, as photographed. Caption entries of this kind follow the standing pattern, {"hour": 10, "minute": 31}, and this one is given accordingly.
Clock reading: {"hour": 6, "minute": 23}
